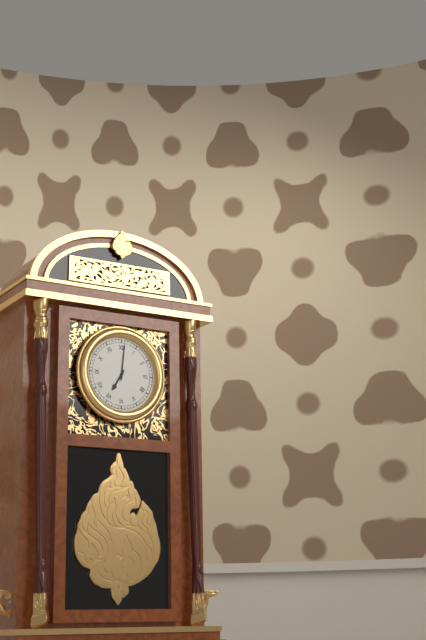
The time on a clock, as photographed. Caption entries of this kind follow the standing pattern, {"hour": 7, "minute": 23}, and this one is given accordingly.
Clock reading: {"hour": 7, "minute": 1}
